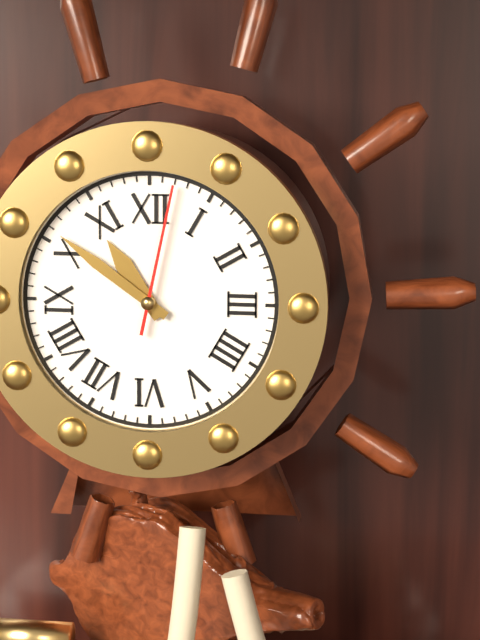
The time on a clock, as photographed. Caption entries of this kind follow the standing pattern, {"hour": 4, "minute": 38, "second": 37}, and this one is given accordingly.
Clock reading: {"hour": 10, "minute": 51, "second": 2}
